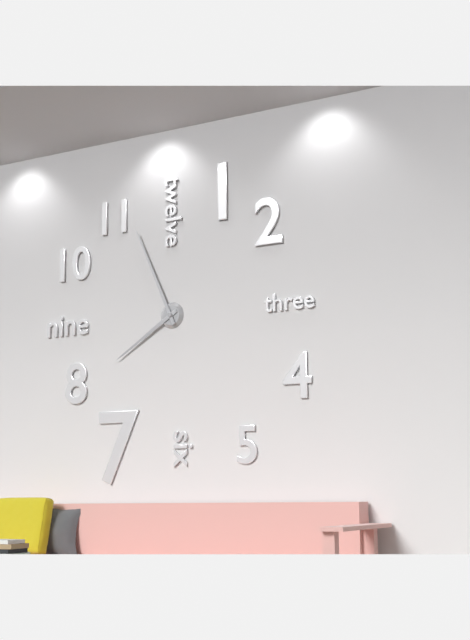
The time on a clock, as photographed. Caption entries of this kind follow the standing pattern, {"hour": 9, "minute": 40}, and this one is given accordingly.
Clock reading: {"hour": 7, "minute": 56}
